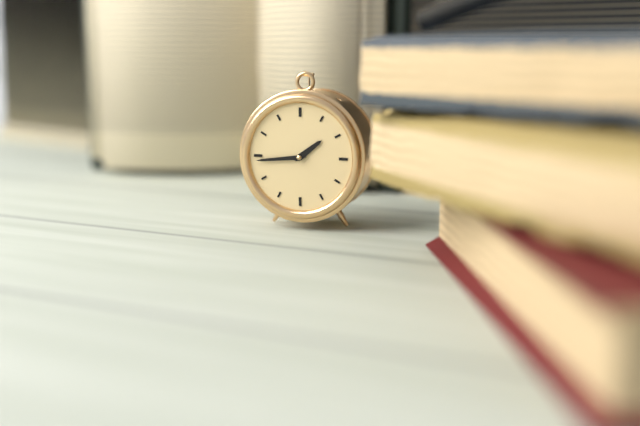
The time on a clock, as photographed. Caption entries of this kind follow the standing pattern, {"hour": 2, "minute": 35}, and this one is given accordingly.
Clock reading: {"hour": 1, "minute": 44}
